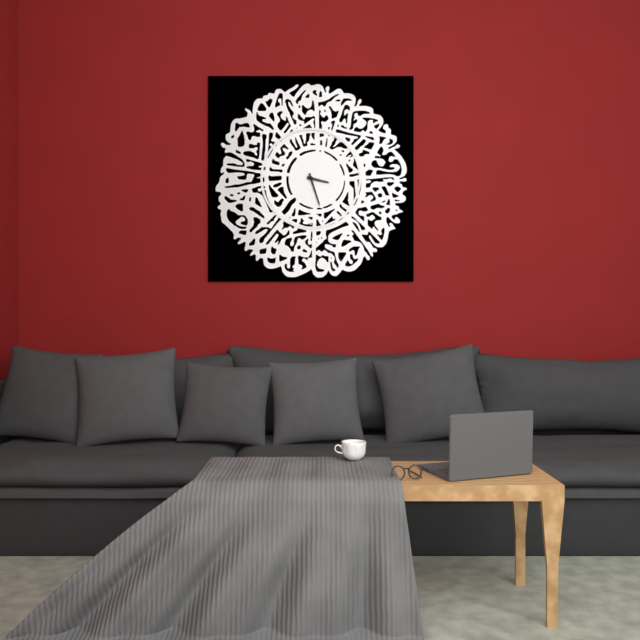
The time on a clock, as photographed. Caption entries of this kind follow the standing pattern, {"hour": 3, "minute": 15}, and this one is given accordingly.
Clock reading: {"hour": 3, "minute": 27}
